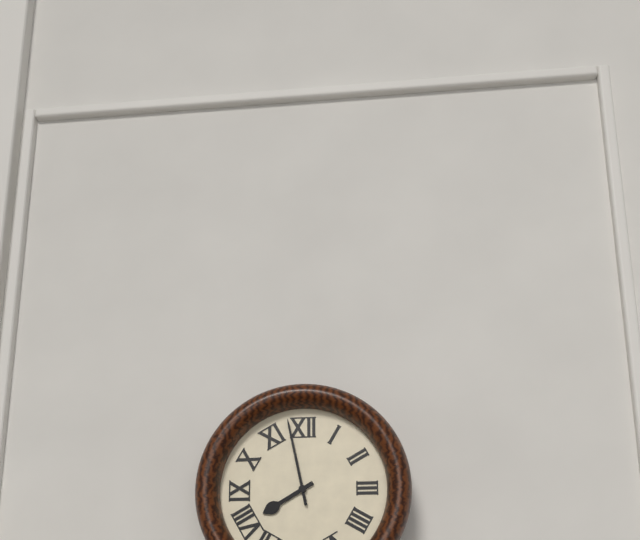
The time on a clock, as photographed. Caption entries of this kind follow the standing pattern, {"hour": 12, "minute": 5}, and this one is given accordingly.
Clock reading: {"hour": 7, "minute": 58}
